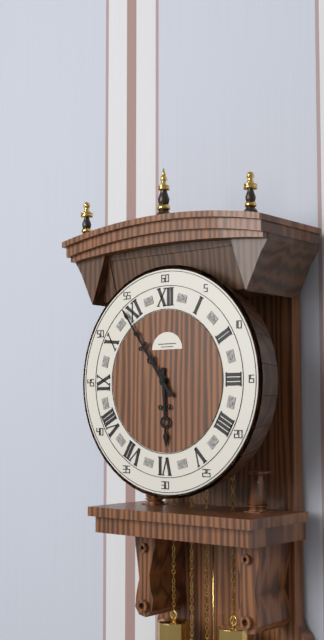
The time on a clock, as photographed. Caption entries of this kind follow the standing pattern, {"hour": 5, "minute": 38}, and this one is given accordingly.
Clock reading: {"hour": 5, "minute": 54}
